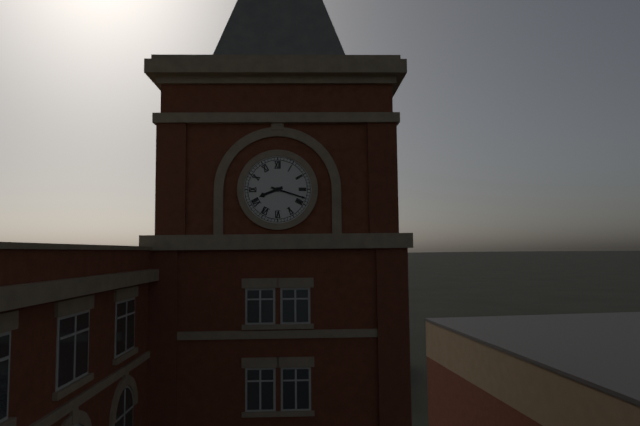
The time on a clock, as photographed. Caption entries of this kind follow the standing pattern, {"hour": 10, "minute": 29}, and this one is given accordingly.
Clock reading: {"hour": 8, "minute": 18}
